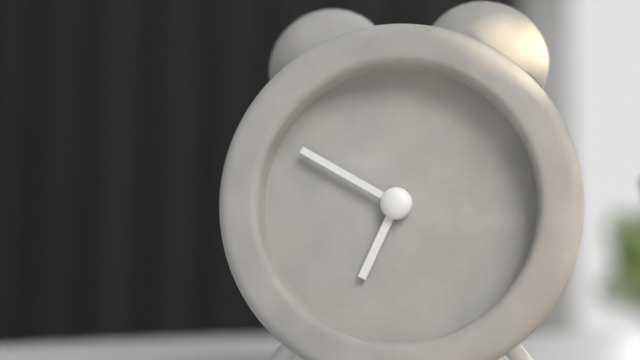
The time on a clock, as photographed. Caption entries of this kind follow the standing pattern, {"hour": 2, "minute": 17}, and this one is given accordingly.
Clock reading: {"hour": 6, "minute": 50}
